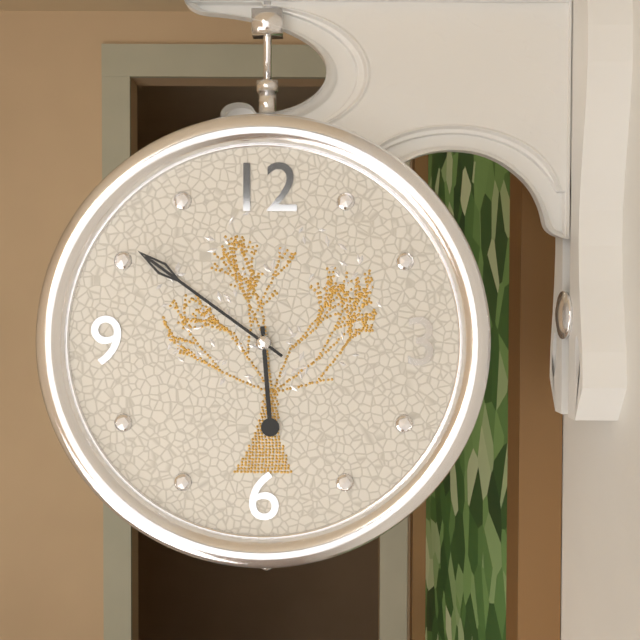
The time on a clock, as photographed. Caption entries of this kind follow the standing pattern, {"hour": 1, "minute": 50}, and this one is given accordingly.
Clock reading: {"hour": 5, "minute": 51}
